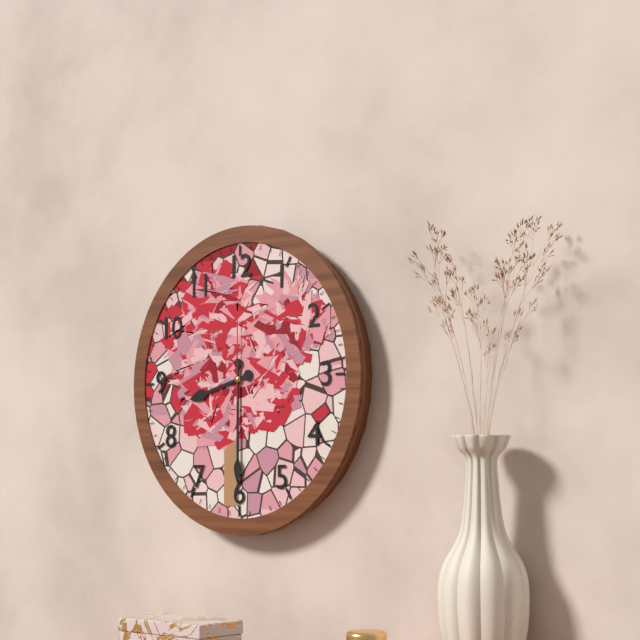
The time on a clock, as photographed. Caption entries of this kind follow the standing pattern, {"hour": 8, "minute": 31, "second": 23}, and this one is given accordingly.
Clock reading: {"hour": 8, "minute": 30, "second": 0}
